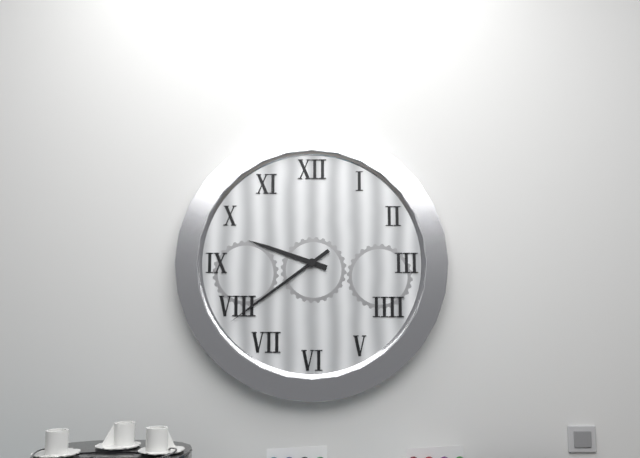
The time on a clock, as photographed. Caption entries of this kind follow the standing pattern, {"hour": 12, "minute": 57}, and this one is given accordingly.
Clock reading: {"hour": 9, "minute": 39}
